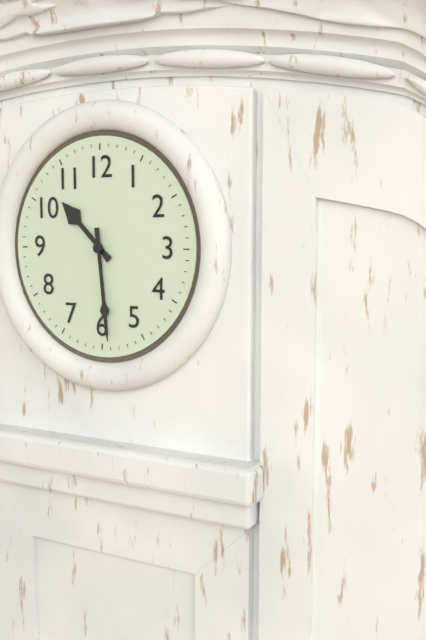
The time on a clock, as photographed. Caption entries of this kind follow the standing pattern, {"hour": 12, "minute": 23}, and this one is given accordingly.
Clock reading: {"hour": 10, "minute": 29}
